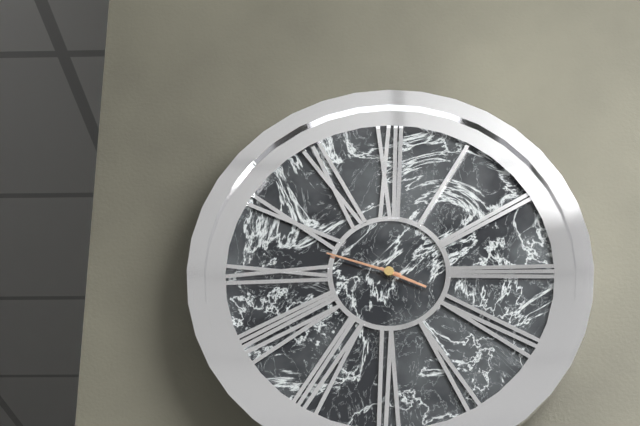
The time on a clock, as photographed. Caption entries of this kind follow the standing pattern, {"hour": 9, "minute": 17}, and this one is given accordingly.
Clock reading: {"hour": 3, "minute": 48}
